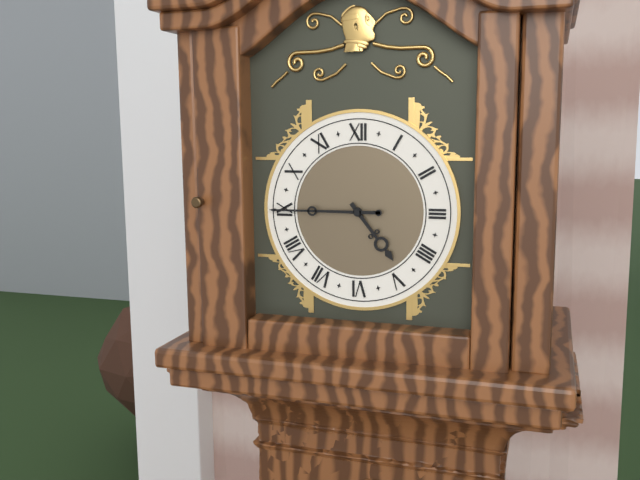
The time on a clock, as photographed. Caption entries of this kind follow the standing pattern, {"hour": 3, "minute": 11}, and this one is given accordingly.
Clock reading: {"hour": 4, "minute": 45}
